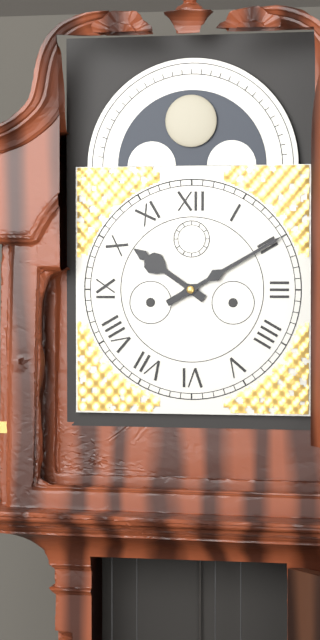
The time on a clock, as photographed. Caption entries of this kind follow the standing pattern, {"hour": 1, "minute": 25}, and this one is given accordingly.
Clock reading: {"hour": 10, "minute": 10}
